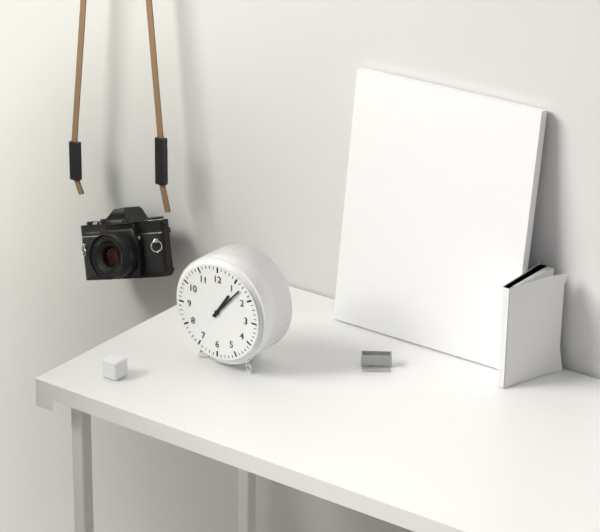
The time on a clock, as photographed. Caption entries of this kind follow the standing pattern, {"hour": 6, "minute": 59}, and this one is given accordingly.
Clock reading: {"hour": 1, "minute": 7}
